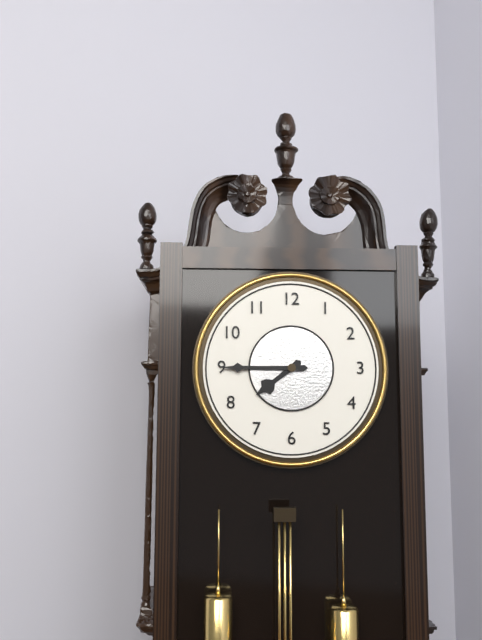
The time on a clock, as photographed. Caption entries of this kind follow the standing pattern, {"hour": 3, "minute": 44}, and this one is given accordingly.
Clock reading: {"hour": 7, "minute": 45}
